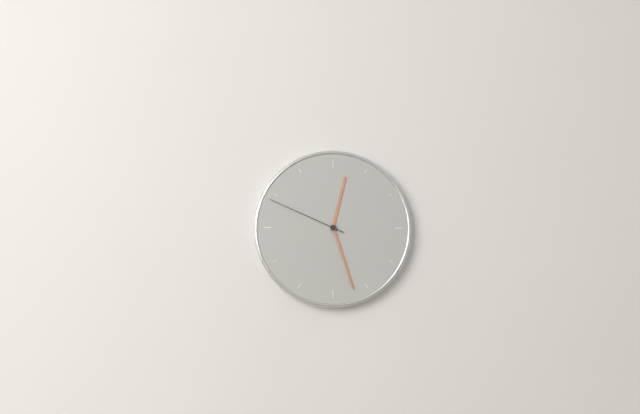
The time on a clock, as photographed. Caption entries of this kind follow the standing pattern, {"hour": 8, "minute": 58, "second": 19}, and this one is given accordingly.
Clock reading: {"hour": 12, "minute": 27, "second": 49}
